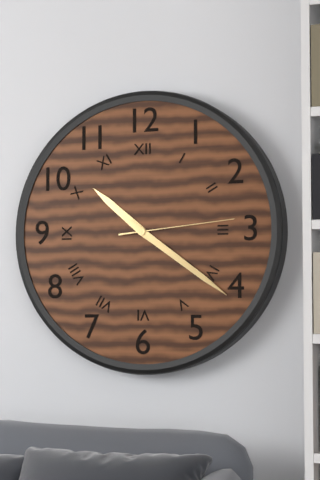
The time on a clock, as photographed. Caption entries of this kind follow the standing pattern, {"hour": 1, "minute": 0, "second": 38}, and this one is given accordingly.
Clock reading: {"hour": 10, "minute": 21, "second": 14}
